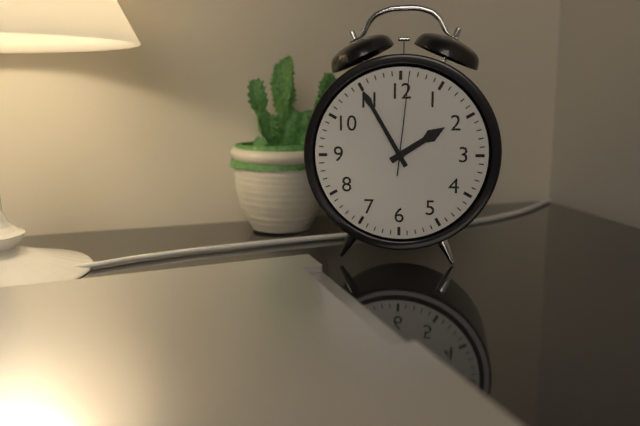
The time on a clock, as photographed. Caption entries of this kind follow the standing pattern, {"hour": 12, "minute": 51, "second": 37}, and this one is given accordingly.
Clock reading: {"hour": 1, "minute": 55, "second": 1}
